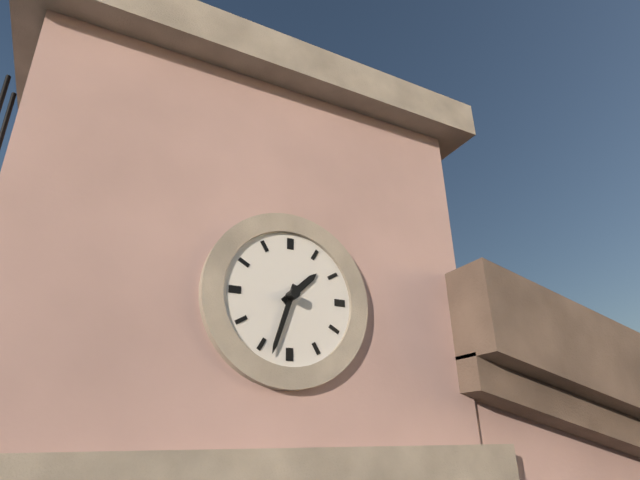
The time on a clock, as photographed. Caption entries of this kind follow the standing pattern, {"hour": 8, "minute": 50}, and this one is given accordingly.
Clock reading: {"hour": 1, "minute": 33}
